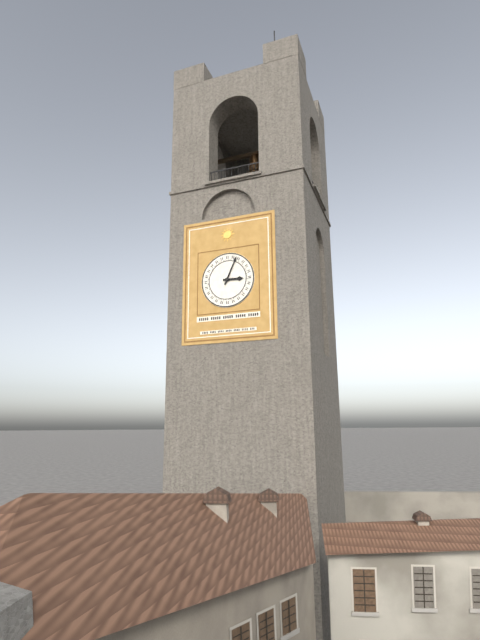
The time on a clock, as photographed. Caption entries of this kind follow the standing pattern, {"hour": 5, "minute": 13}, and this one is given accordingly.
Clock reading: {"hour": 3, "minute": 4}
